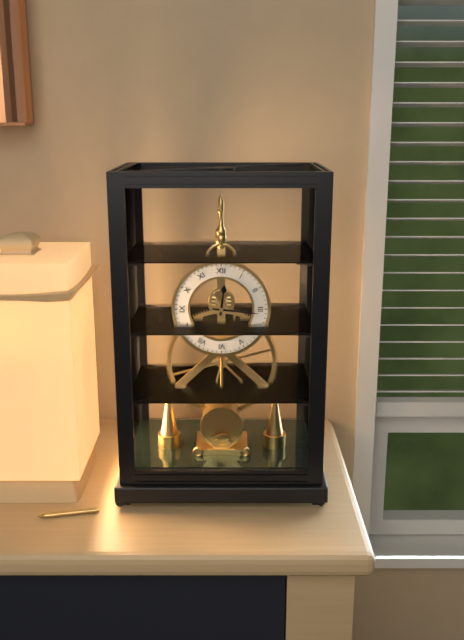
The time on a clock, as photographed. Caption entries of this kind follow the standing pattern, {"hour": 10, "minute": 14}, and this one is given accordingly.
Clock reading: {"hour": 12, "minute": 16}
